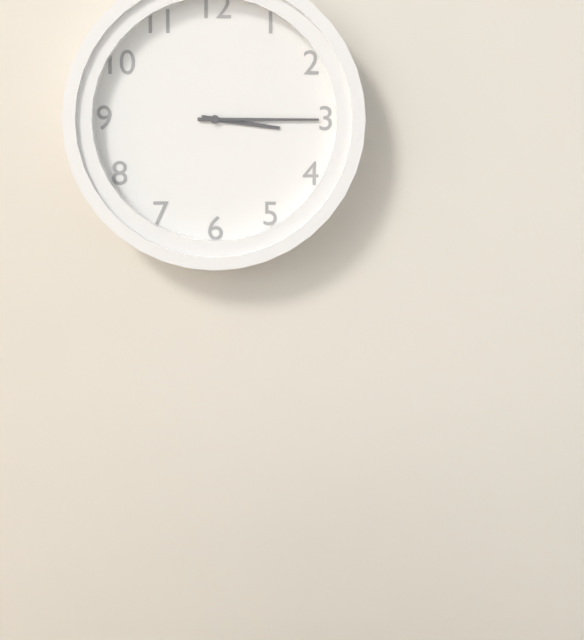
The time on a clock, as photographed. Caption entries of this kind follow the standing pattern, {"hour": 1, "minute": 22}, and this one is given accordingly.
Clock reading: {"hour": 3, "minute": 15}
